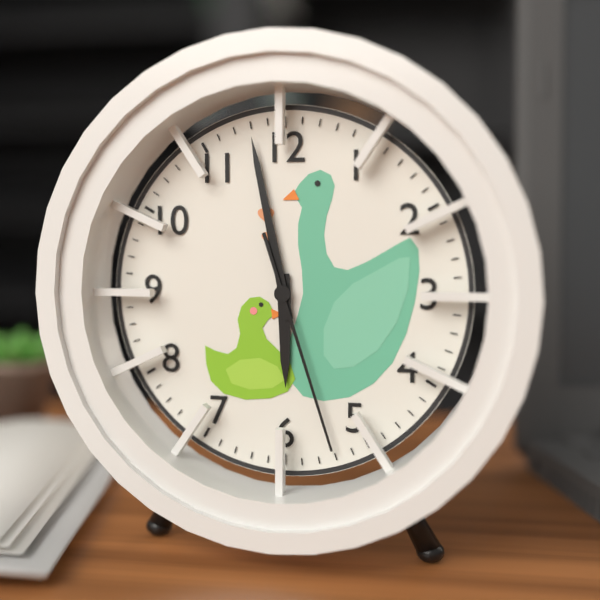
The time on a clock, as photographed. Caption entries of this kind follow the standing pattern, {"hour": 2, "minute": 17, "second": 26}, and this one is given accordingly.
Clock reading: {"hour": 5, "minute": 58, "second": 27}
